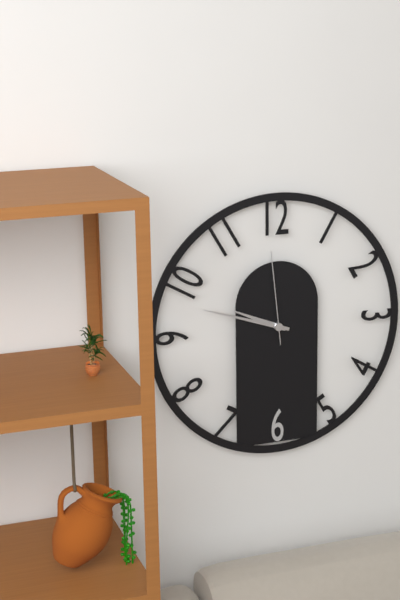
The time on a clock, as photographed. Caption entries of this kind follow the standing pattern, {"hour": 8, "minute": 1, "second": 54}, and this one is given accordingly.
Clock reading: {"hour": 9, "minute": 48, "second": 59}
